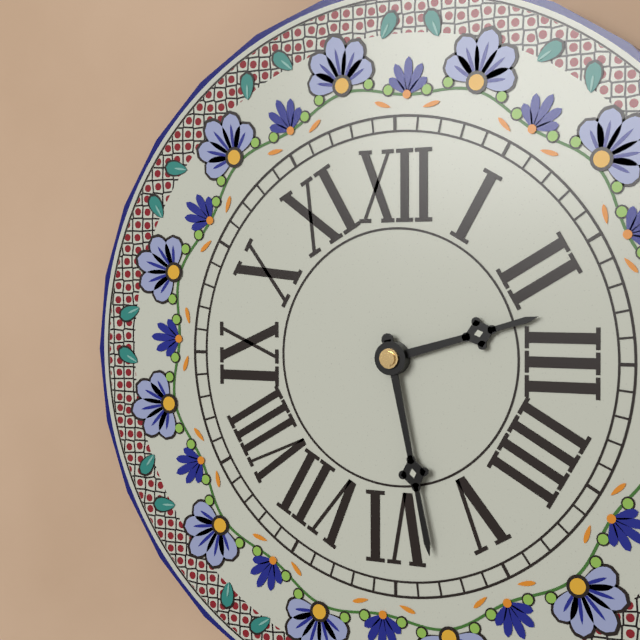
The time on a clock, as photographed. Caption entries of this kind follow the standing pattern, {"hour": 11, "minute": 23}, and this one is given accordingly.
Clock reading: {"hour": 2, "minute": 28}
